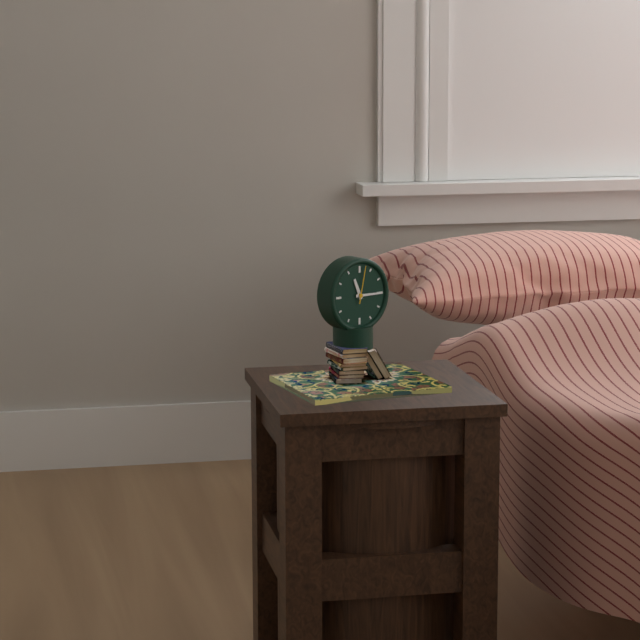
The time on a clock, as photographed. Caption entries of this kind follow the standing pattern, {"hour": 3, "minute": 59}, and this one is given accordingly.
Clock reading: {"hour": 11, "minute": 15}
